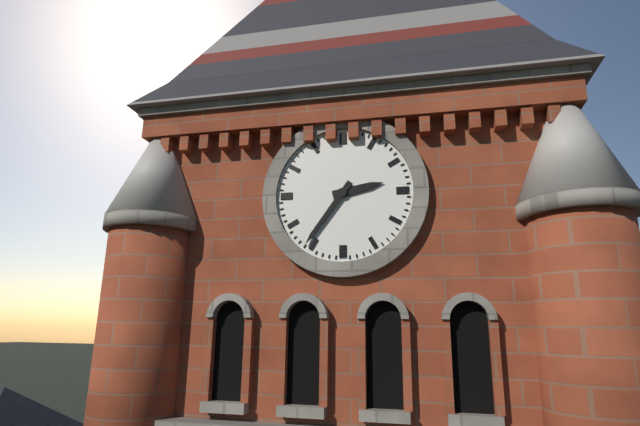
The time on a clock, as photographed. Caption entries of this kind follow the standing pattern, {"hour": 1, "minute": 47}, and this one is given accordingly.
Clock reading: {"hour": 2, "minute": 36}
